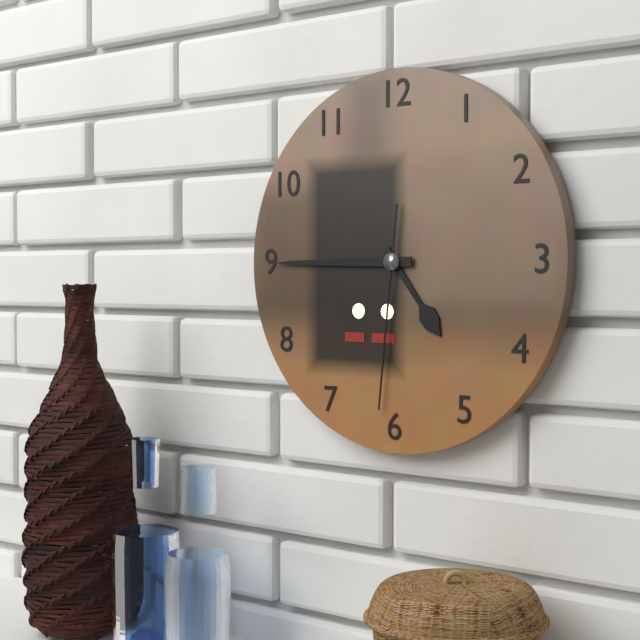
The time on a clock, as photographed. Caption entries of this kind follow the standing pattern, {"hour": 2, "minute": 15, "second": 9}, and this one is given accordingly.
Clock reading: {"hour": 4, "minute": 45, "second": 31}
